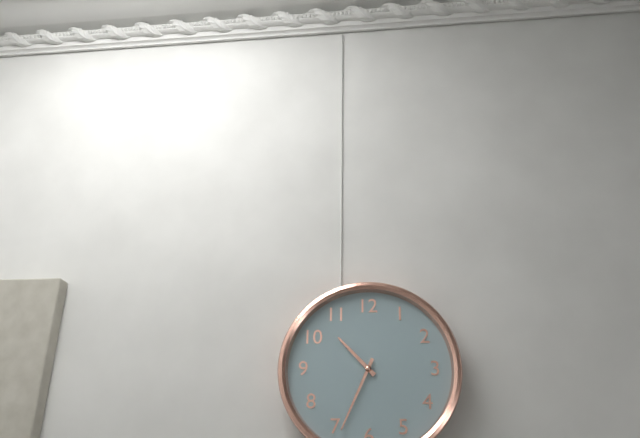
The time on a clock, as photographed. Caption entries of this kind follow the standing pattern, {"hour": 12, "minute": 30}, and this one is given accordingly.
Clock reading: {"hour": 10, "minute": 34}
